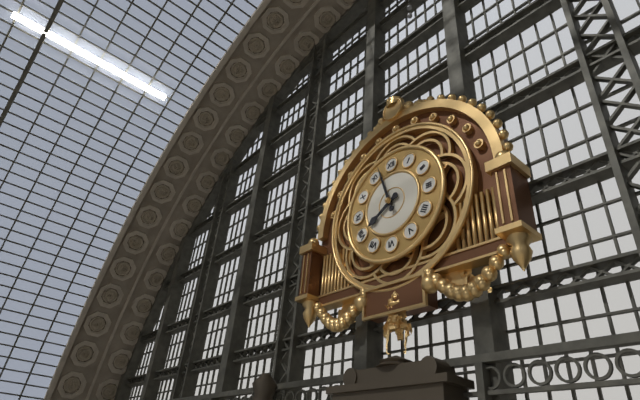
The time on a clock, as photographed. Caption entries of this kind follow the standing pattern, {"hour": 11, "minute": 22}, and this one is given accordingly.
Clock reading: {"hour": 7, "minute": 57}
